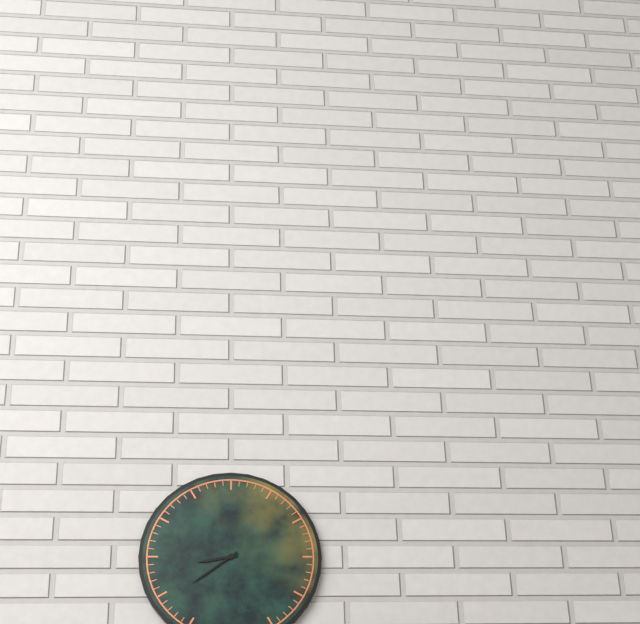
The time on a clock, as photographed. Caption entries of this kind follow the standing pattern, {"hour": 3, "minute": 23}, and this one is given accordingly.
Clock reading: {"hour": 8, "minute": 39}
